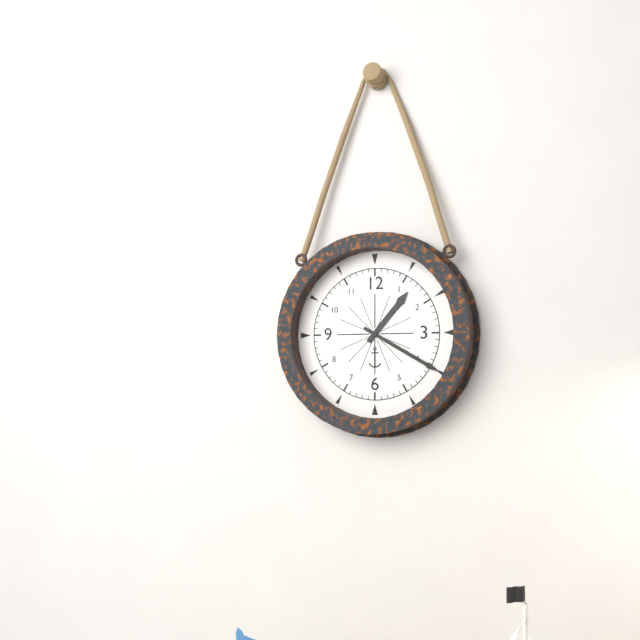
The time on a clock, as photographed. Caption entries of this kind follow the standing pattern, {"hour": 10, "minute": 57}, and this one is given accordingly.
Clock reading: {"hour": 1, "minute": 20}
